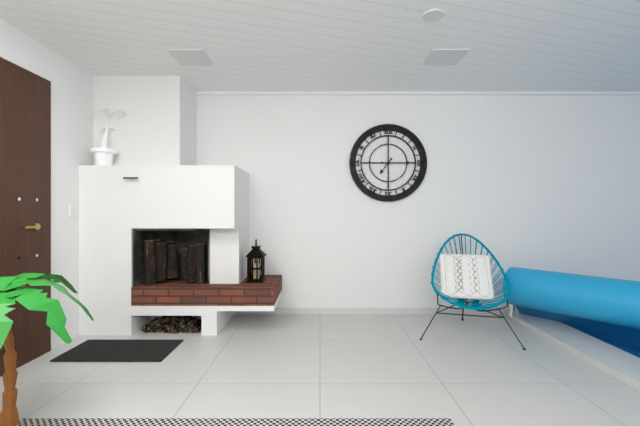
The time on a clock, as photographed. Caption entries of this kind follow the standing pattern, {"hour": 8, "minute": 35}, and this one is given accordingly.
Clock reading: {"hour": 7, "minute": 15}
